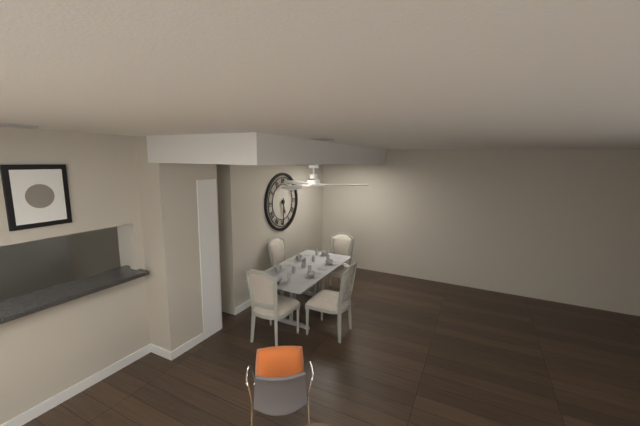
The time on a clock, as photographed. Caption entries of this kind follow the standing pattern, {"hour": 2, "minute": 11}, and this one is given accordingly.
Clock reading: {"hour": 5, "minute": 30}
